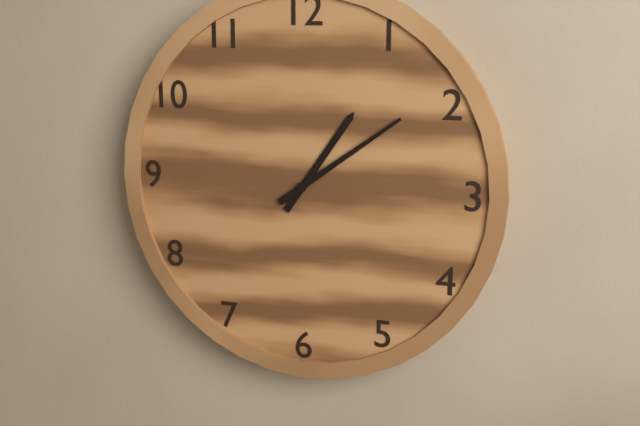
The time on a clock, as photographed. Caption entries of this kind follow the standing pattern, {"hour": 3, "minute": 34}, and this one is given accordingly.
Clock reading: {"hour": 1, "minute": 9}
